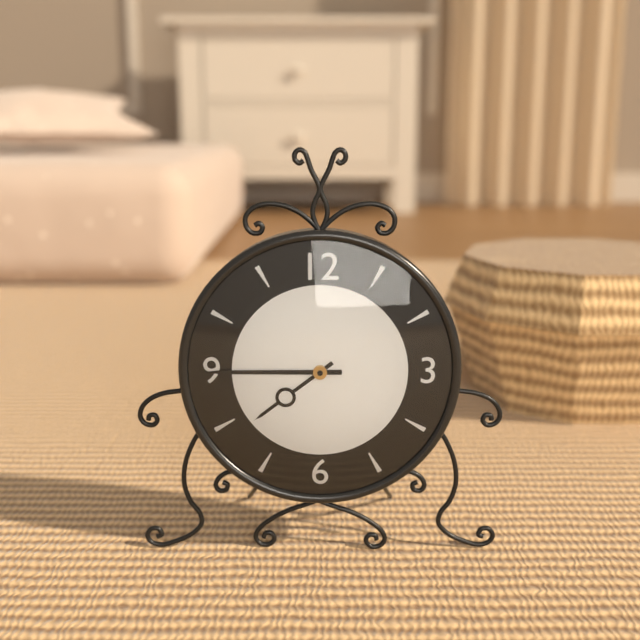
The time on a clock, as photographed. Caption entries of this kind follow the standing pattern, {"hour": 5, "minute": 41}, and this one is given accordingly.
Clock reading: {"hour": 7, "minute": 45}
